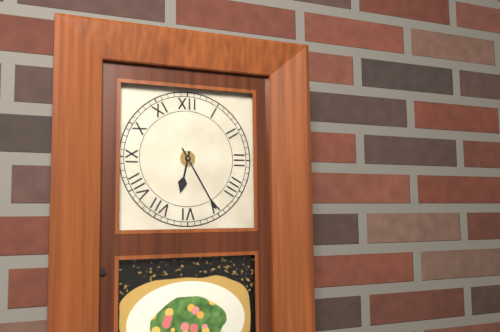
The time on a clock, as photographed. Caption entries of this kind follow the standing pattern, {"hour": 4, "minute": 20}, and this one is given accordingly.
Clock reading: {"hour": 6, "minute": 25}
